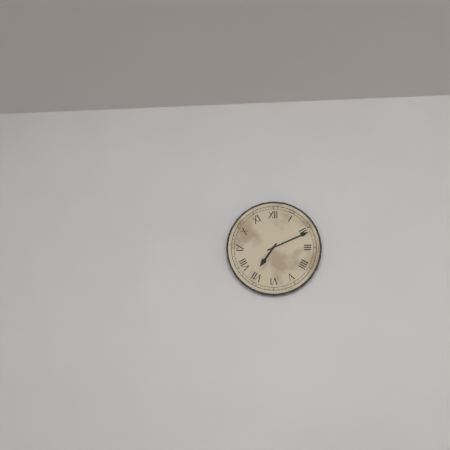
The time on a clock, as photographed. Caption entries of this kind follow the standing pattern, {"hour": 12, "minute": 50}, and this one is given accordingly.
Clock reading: {"hour": 7, "minute": 11}
